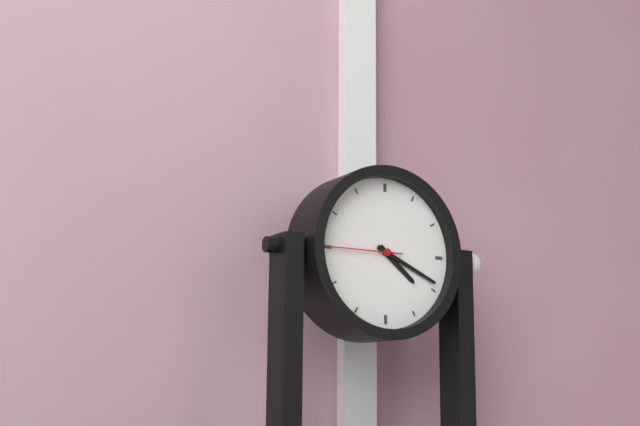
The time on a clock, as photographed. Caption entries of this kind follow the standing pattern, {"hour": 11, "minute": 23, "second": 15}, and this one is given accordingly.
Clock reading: {"hour": 4, "minute": 19, "second": 45}
